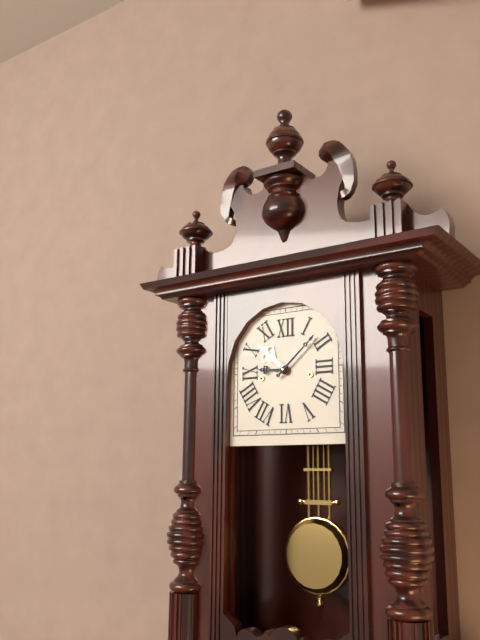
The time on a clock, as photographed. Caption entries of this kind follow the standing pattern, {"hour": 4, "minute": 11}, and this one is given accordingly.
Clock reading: {"hour": 9, "minute": 8}
